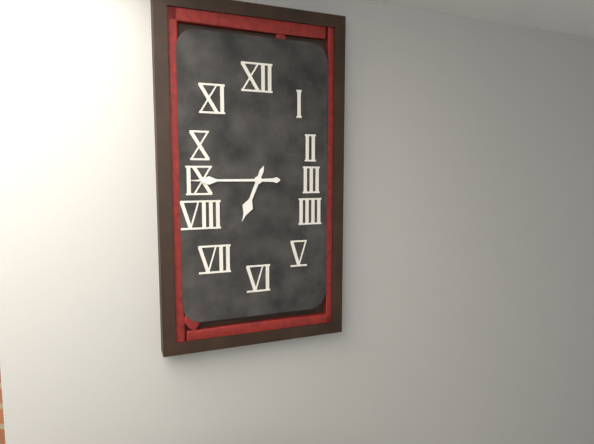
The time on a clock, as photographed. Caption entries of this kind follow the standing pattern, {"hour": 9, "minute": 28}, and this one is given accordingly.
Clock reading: {"hour": 6, "minute": 45}
